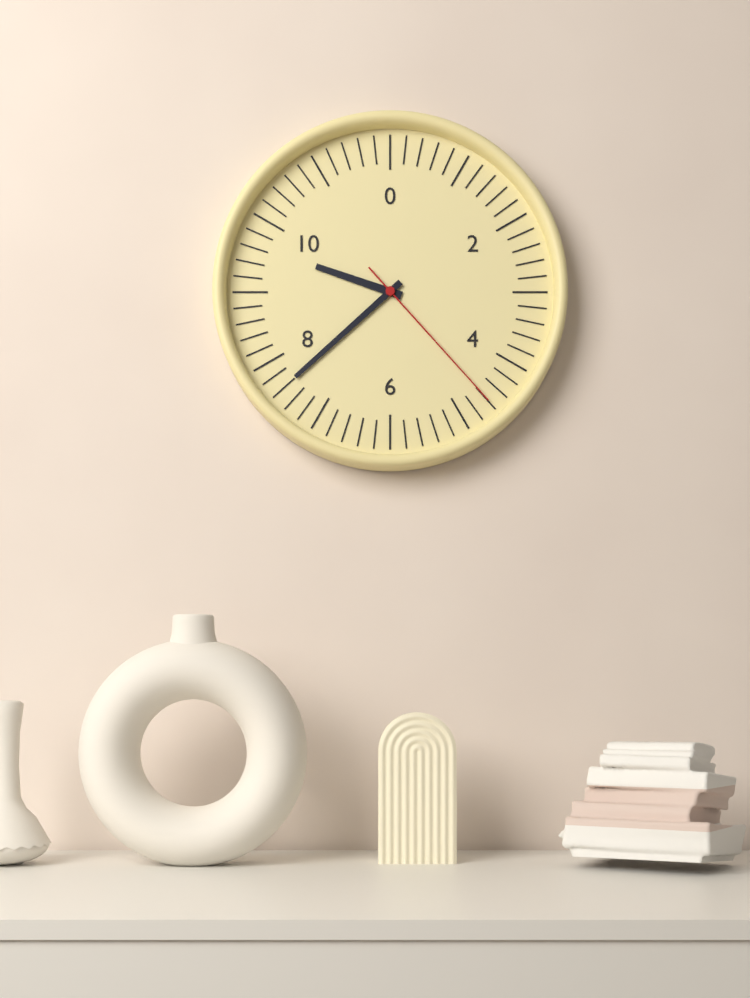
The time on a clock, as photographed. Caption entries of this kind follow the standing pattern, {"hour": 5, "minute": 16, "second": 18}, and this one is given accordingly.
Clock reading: {"hour": 9, "minute": 38, "second": 23}
